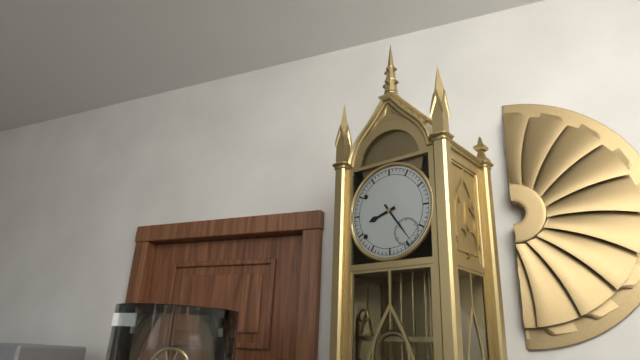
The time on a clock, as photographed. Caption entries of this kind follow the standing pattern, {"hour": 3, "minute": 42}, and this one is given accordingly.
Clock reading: {"hour": 8, "minute": 24}
